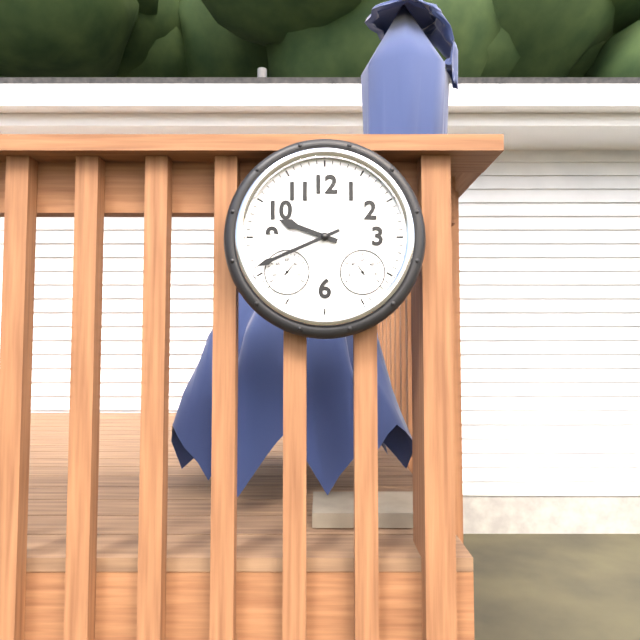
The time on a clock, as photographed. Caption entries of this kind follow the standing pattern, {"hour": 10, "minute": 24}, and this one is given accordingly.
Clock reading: {"hour": 9, "minute": 41}
